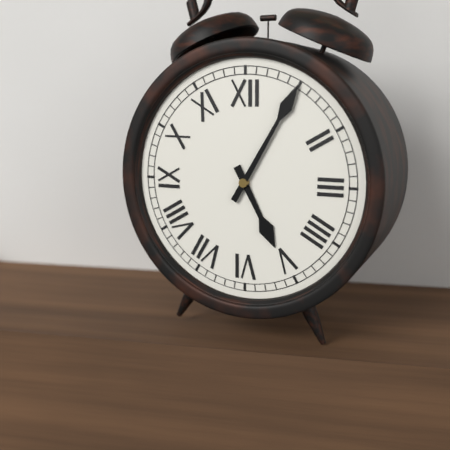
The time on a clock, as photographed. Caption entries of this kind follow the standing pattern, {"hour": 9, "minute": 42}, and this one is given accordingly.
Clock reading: {"hour": 5, "minute": 5}
